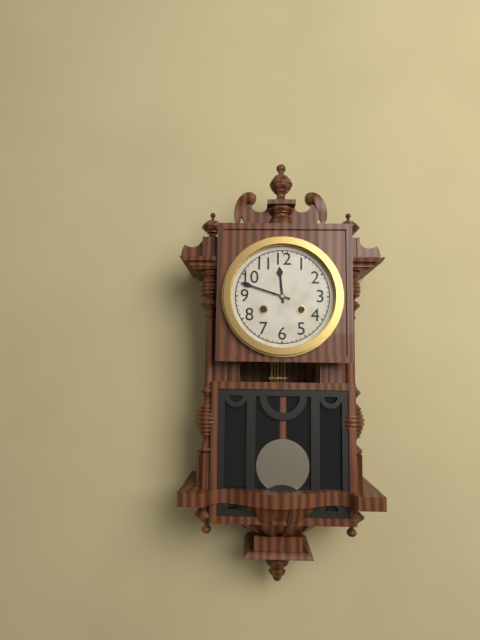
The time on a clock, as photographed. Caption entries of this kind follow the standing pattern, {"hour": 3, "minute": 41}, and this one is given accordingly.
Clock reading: {"hour": 11, "minute": 48}
